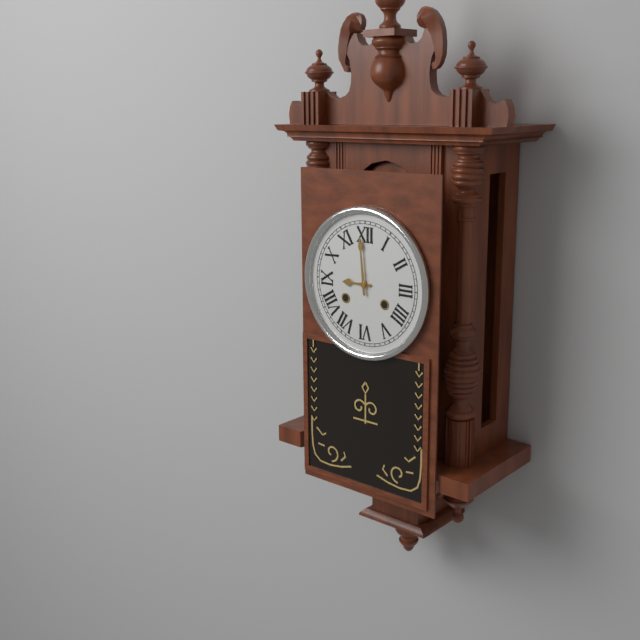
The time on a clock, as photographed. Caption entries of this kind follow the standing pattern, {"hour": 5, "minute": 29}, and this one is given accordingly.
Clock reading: {"hour": 8, "minute": 59}
